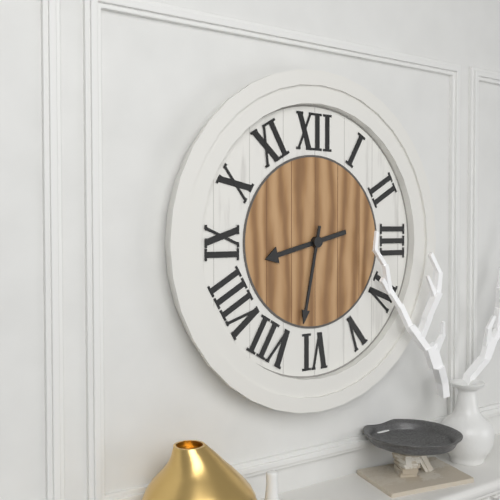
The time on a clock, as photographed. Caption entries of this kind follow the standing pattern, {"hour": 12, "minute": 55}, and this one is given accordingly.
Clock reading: {"hour": 8, "minute": 32}
